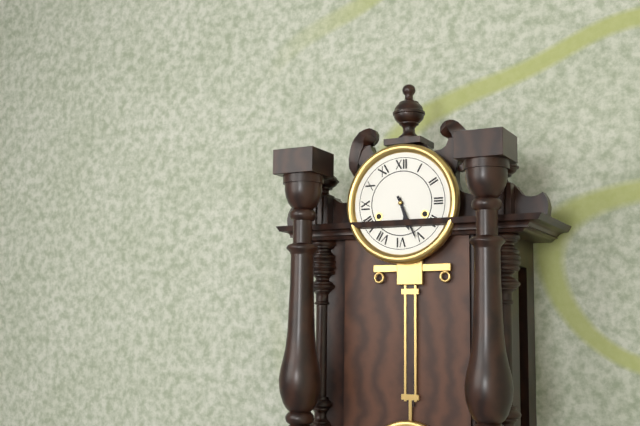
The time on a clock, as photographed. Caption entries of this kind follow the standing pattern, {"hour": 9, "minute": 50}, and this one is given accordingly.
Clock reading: {"hour": 5, "minute": 26}
